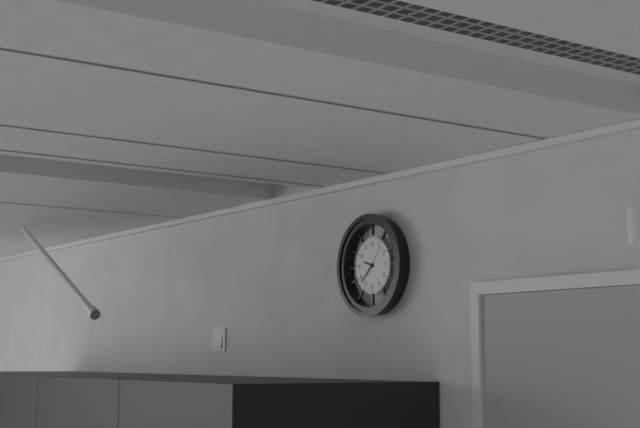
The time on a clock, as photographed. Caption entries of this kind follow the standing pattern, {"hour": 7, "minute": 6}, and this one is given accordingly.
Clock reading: {"hour": 9, "minute": 38}
